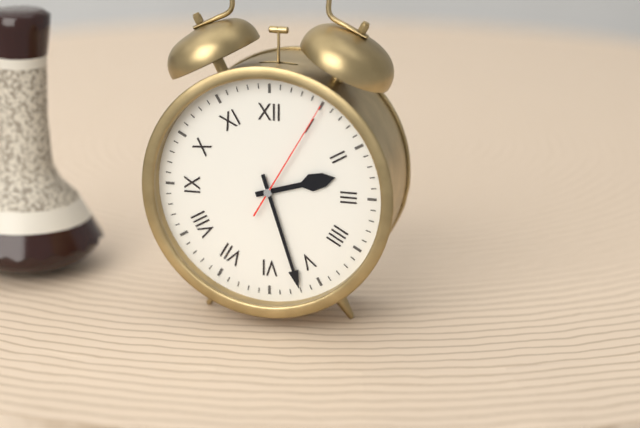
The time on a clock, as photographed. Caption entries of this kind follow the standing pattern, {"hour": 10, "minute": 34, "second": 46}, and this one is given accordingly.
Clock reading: {"hour": 2, "minute": 27, "second": 5}
